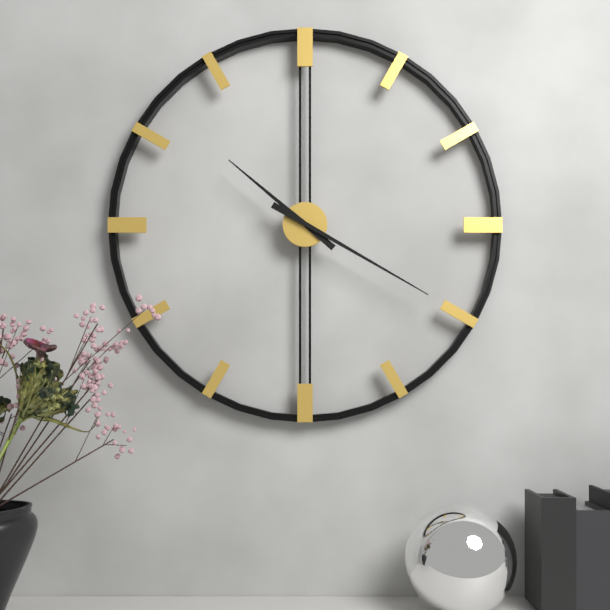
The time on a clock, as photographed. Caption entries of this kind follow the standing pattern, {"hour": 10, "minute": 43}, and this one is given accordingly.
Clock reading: {"hour": 10, "minute": 20}
